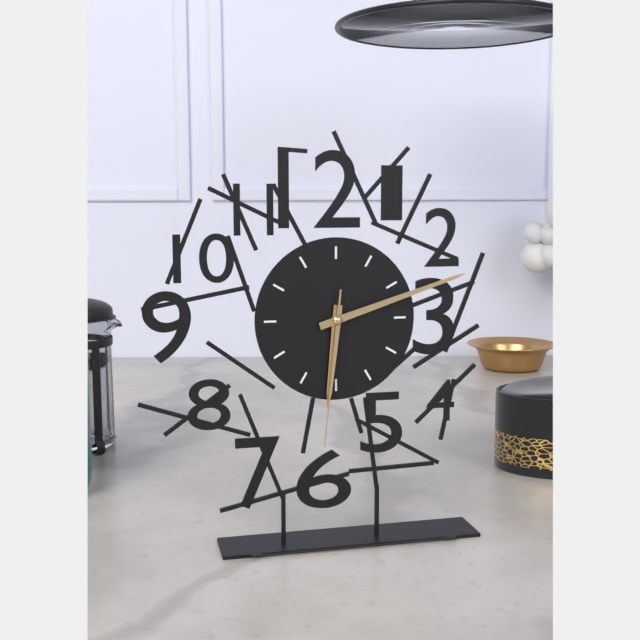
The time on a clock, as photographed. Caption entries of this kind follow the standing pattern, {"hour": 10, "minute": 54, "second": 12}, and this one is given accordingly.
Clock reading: {"hour": 6, "minute": 12, "second": 31}
